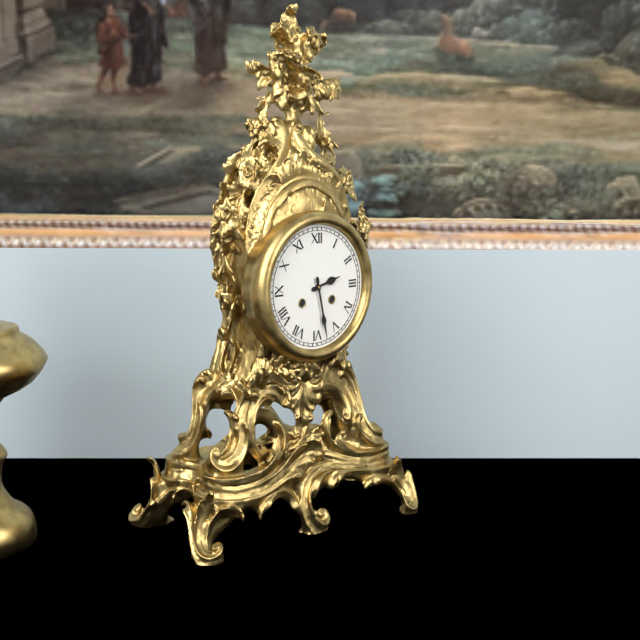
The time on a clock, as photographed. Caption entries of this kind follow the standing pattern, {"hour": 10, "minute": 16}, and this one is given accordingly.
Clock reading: {"hour": 2, "minute": 28}
